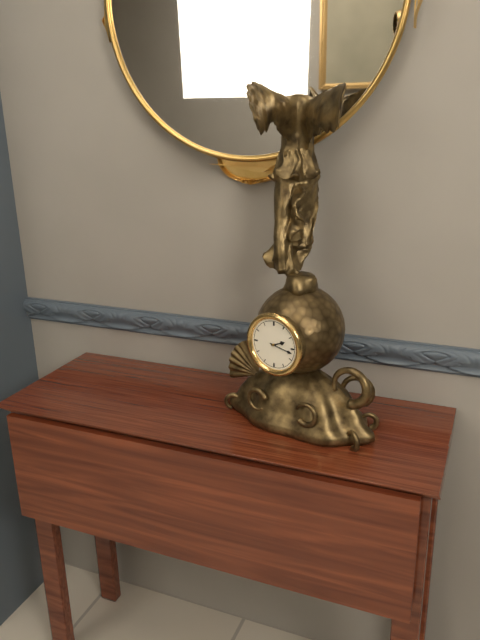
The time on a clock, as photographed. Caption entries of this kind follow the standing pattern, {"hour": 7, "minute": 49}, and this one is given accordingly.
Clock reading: {"hour": 2, "minute": 17}
